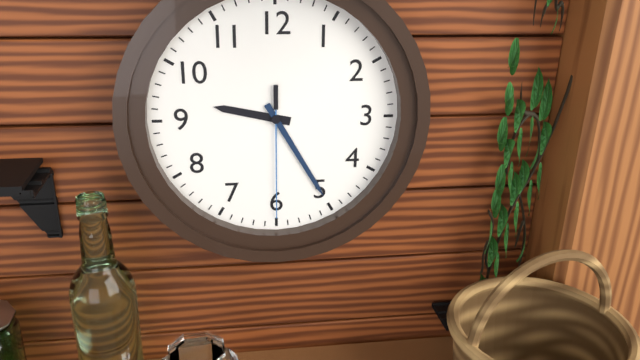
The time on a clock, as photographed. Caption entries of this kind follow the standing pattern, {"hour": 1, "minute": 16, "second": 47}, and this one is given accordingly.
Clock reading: {"hour": 9, "minute": 25, "second": 30}
